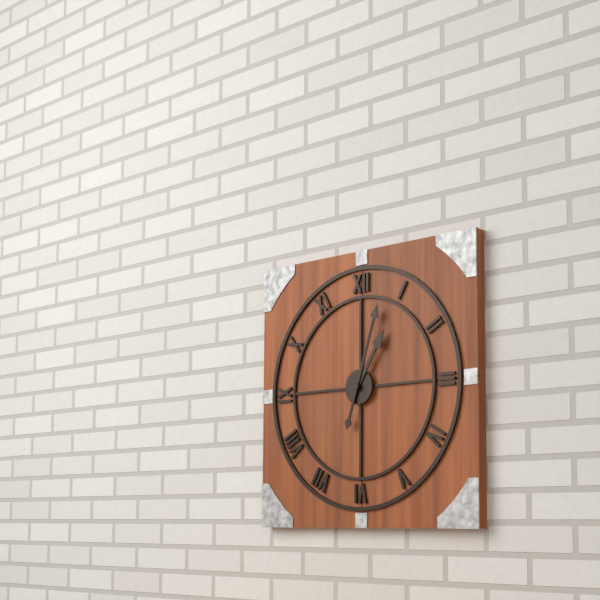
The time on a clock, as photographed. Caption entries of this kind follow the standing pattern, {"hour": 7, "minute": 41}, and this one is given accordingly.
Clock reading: {"hour": 1, "minute": 3}
